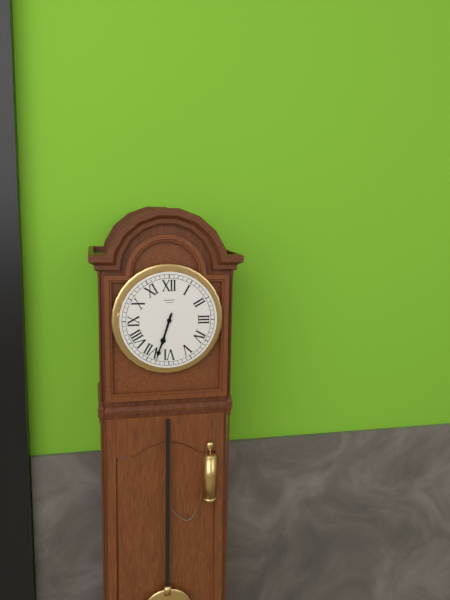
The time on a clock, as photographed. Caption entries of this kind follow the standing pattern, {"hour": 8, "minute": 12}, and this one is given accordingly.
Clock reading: {"hour": 6, "minute": 33}
